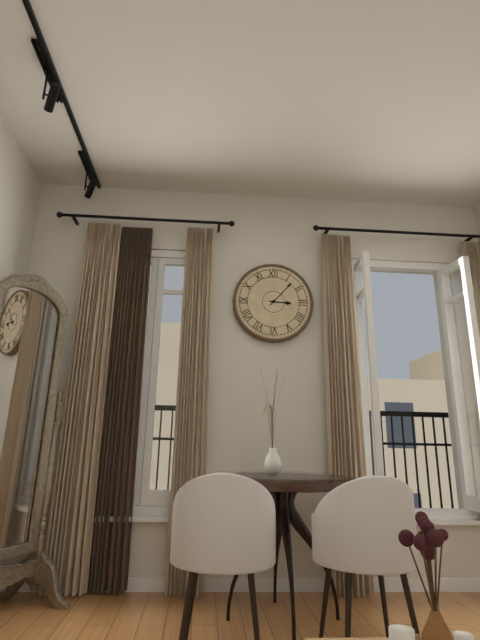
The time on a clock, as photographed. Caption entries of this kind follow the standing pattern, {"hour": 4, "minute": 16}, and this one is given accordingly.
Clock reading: {"hour": 3, "minute": 7}
